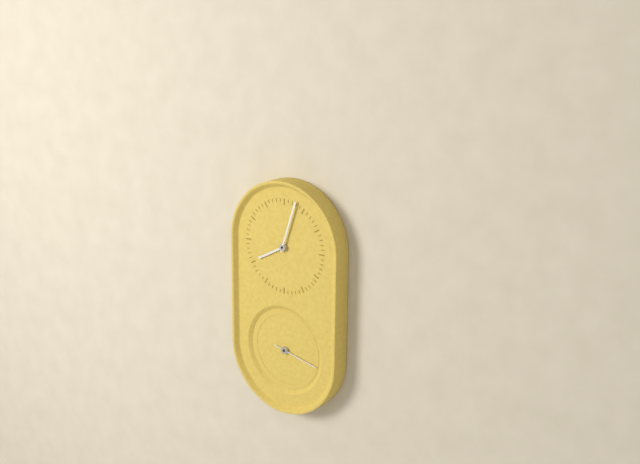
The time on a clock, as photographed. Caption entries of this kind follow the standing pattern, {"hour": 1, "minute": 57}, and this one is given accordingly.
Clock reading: {"hour": 8, "minute": 3}
